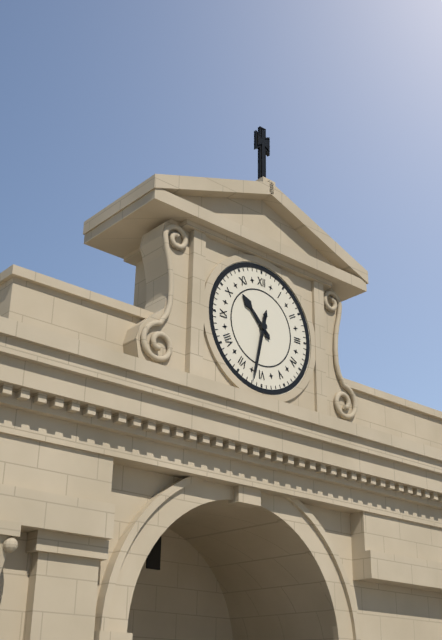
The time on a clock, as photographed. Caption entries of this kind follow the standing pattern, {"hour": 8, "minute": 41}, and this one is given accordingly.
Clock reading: {"hour": 10, "minute": 32}
